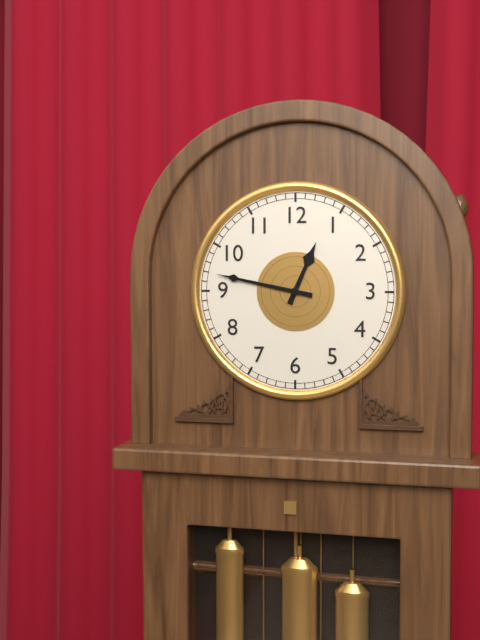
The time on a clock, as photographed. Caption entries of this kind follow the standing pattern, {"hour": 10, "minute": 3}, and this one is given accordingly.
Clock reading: {"hour": 12, "minute": 47}
